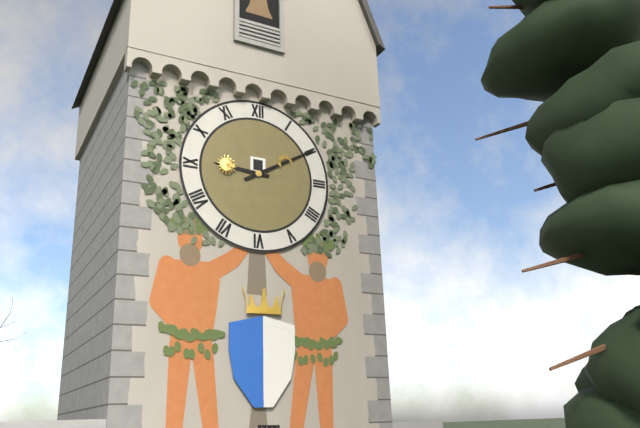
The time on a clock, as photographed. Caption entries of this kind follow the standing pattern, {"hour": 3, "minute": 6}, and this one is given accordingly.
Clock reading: {"hour": 9, "minute": 10}
